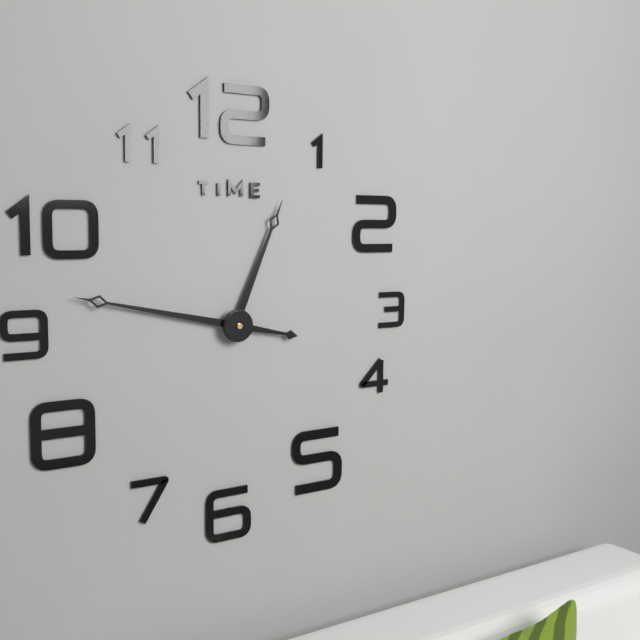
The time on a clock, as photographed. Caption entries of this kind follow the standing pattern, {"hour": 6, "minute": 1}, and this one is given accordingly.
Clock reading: {"hour": 12, "minute": 47}
